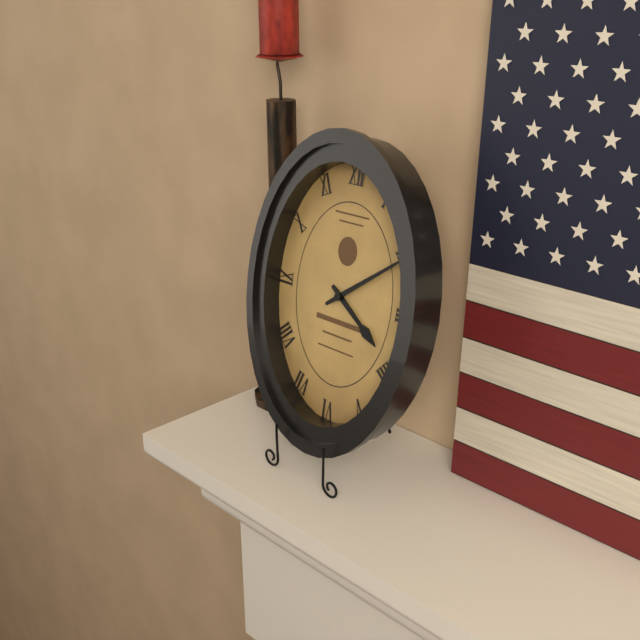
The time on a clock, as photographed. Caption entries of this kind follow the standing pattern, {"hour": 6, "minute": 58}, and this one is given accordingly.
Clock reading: {"hour": 4, "minute": 9}
